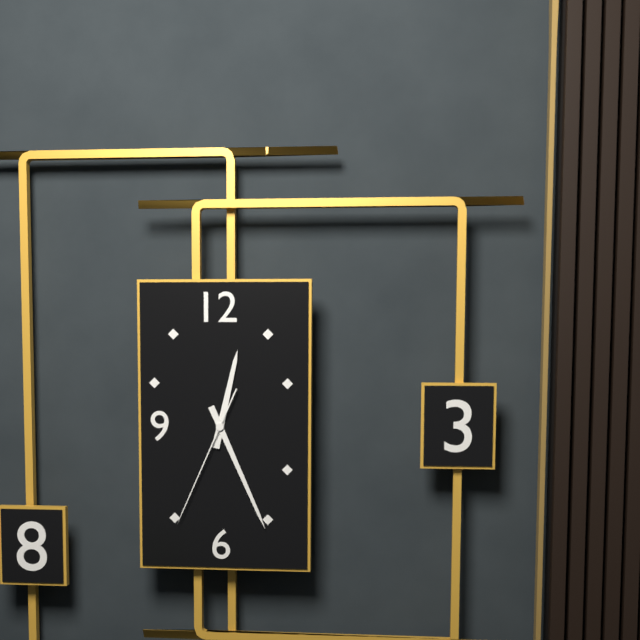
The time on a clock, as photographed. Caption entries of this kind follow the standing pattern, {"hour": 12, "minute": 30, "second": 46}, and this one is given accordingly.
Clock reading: {"hour": 12, "minute": 26, "second": 34}
